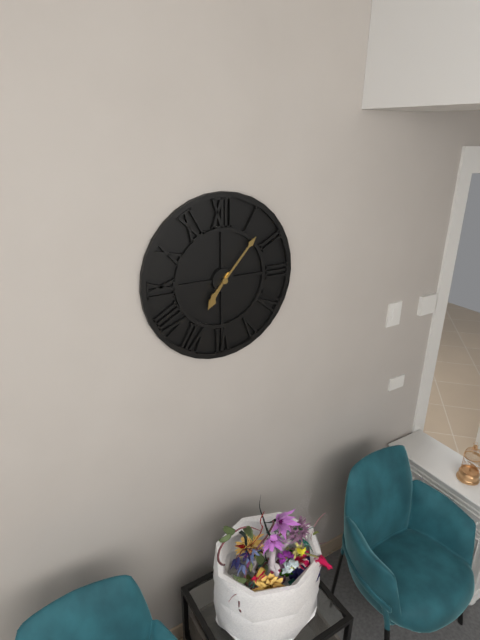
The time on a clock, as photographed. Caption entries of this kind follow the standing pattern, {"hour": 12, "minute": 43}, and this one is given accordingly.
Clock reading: {"hour": 7, "minute": 7}
